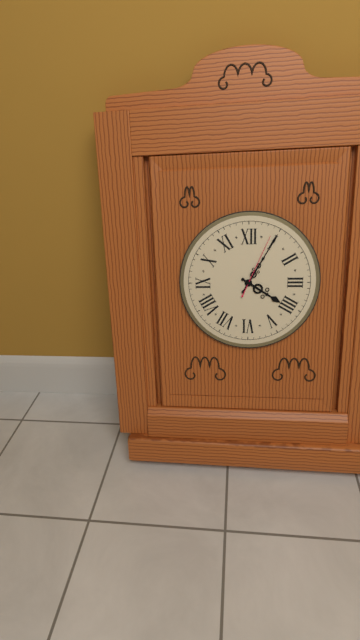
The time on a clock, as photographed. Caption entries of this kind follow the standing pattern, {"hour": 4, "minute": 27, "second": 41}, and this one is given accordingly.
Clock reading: {"hour": 4, "minute": 5, "second": 4}
